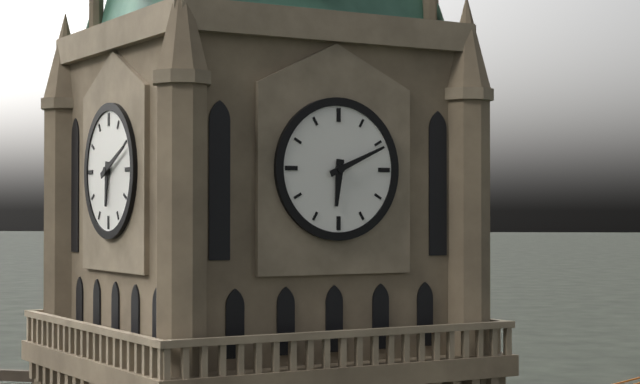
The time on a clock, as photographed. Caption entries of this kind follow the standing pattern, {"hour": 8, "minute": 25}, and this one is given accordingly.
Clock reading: {"hour": 6, "minute": 11}
